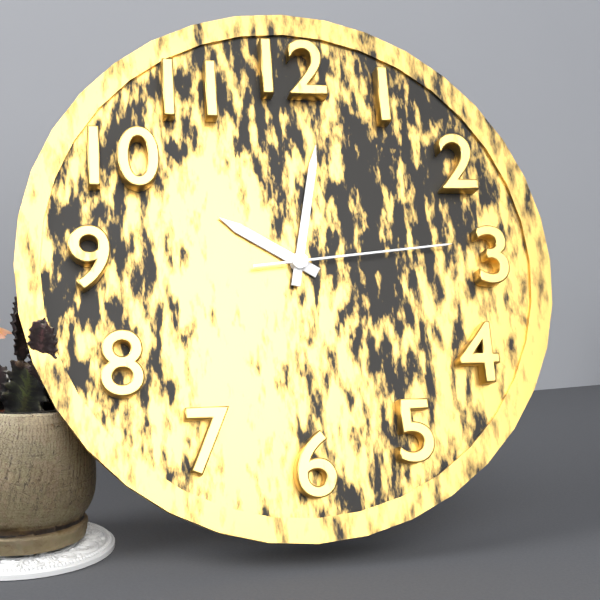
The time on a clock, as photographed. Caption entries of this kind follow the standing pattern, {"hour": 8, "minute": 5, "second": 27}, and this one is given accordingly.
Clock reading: {"hour": 10, "minute": 2, "second": 14}
